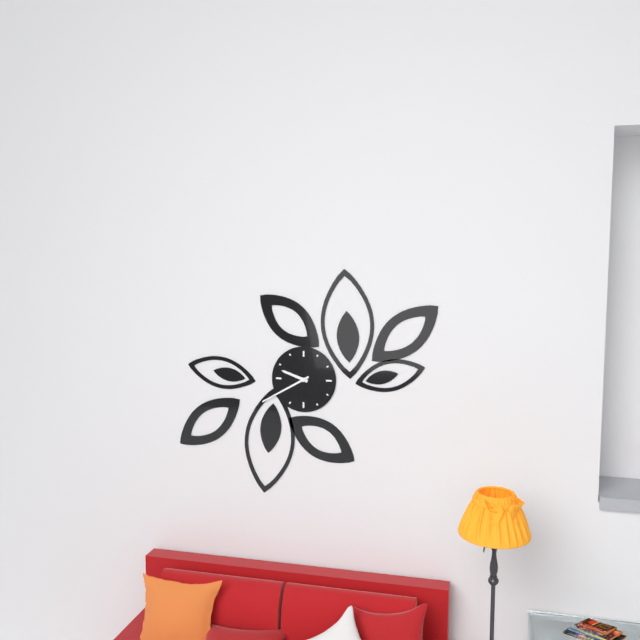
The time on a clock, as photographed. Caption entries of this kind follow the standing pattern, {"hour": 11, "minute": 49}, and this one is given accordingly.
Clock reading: {"hour": 9, "minute": 40}
